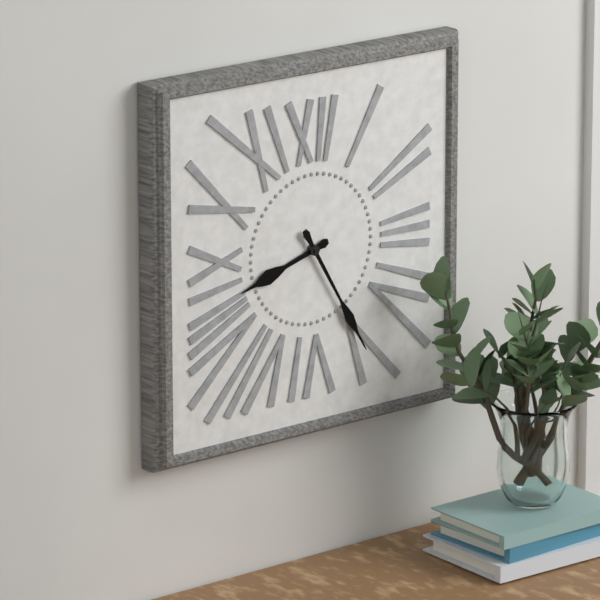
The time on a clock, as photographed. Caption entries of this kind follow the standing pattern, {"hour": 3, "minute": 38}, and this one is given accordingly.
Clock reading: {"hour": 8, "minute": 25}
